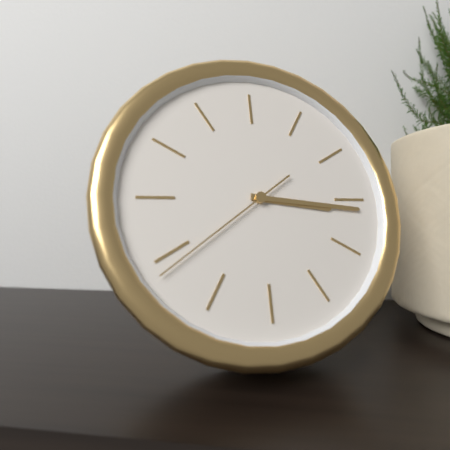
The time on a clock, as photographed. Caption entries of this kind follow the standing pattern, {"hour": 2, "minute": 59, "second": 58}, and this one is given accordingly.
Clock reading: {"hour": 3, "minute": 16, "second": 39}
